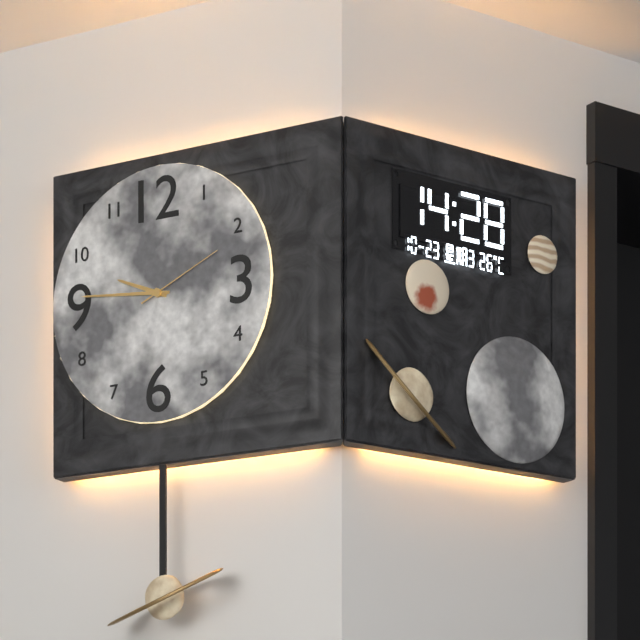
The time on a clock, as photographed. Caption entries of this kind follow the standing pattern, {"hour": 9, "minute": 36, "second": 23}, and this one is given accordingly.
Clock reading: {"hour": 9, "minute": 46, "second": 11}
